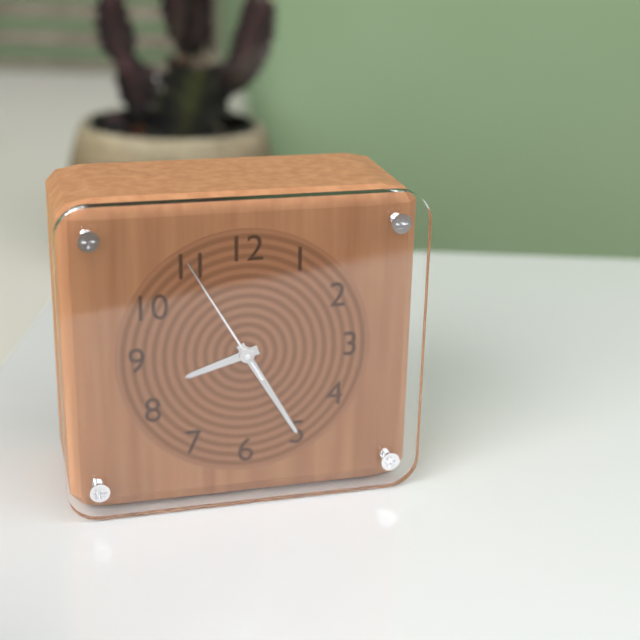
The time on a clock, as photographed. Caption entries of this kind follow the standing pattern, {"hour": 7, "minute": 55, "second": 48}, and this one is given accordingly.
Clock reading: {"hour": 8, "minute": 25, "second": 55}
